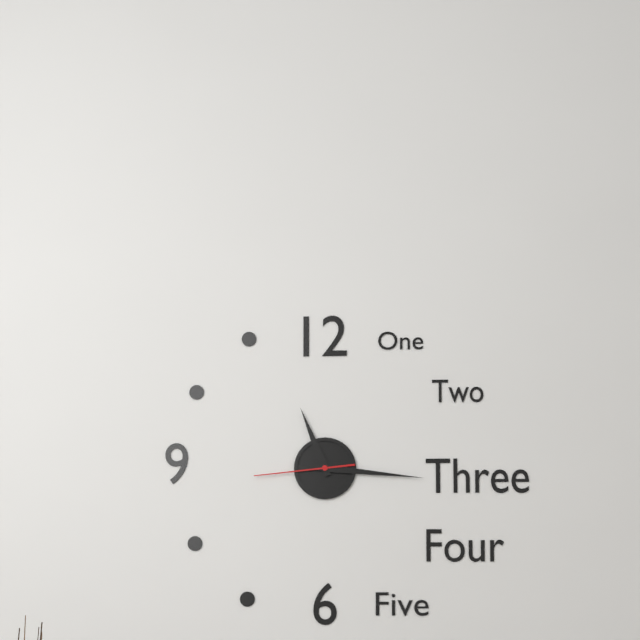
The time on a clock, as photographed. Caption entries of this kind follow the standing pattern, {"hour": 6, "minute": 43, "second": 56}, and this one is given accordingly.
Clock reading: {"hour": 11, "minute": 16, "second": 44}
